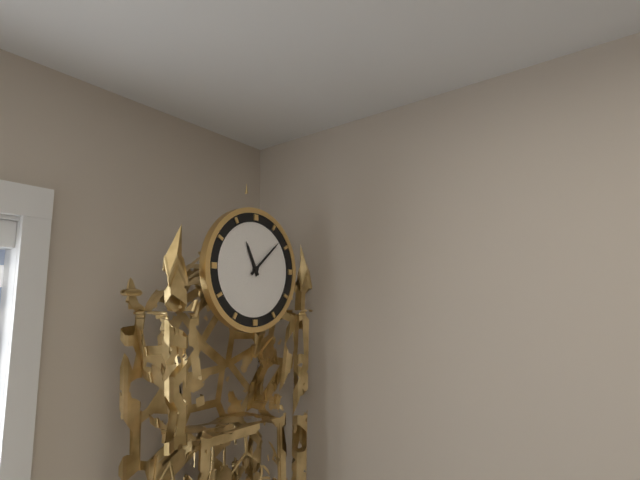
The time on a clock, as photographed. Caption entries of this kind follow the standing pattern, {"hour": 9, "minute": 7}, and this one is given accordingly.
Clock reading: {"hour": 11, "minute": 8}
